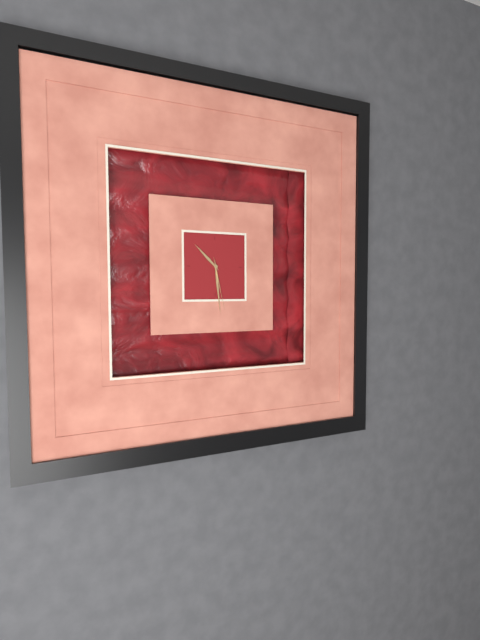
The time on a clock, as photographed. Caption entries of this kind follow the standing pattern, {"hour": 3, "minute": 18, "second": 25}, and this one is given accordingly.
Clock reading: {"hour": 10, "minute": 29, "second": 28}
